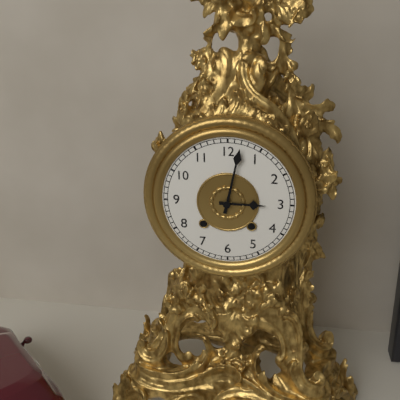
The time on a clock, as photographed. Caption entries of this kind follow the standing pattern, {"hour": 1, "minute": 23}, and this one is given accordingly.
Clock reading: {"hour": 3, "minute": 2}
